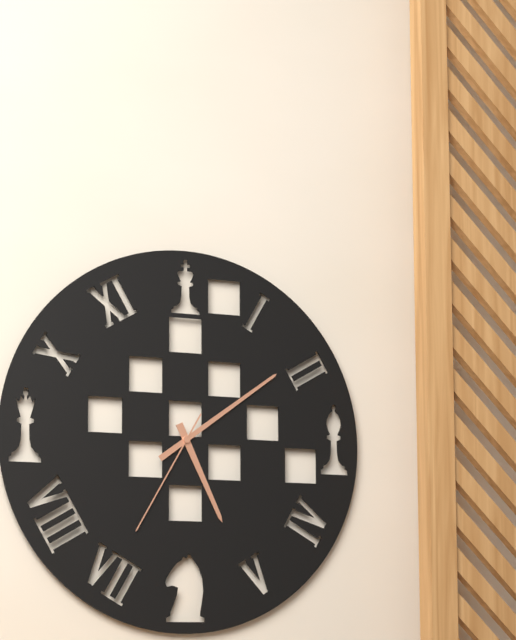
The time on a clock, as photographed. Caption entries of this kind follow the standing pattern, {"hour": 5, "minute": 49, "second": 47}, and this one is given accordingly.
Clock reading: {"hour": 5, "minute": 9, "second": 35}
